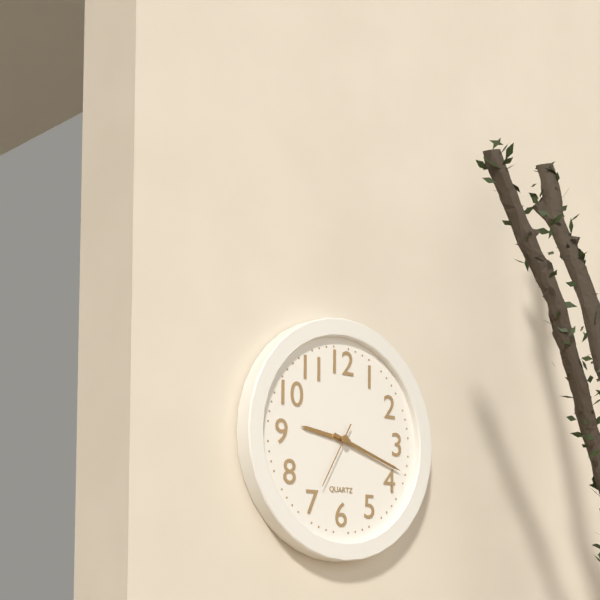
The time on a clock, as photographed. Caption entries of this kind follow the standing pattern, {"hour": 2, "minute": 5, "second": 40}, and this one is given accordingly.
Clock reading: {"hour": 9, "minute": 18, "second": 35}
